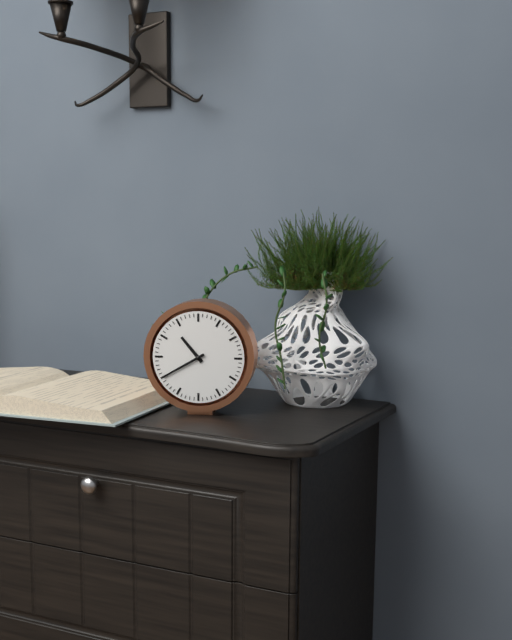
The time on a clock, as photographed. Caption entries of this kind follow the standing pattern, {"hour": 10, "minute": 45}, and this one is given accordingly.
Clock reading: {"hour": 10, "minute": 40}
